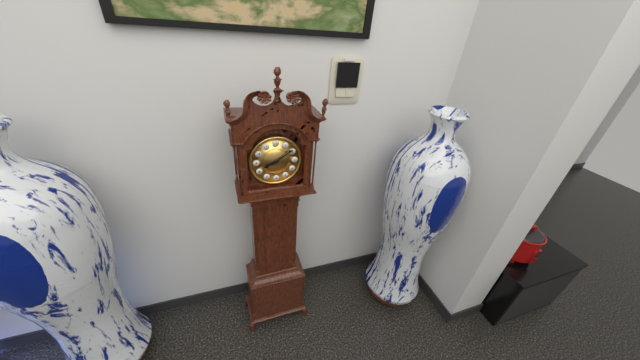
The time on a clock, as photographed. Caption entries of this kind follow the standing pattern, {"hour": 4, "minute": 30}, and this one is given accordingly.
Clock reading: {"hour": 8, "minute": 9}
